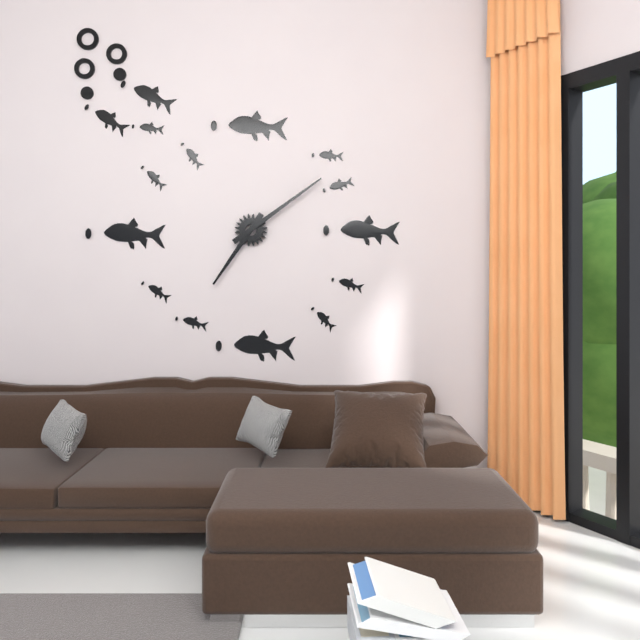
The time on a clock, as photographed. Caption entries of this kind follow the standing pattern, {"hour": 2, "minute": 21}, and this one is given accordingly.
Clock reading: {"hour": 7, "minute": 9}
